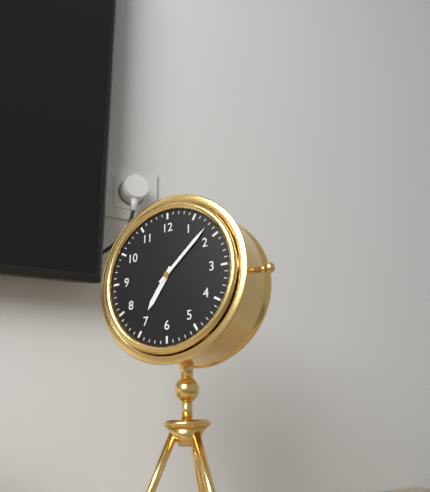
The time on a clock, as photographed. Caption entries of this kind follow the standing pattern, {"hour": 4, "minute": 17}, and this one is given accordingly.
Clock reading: {"hour": 7, "minute": 8}
